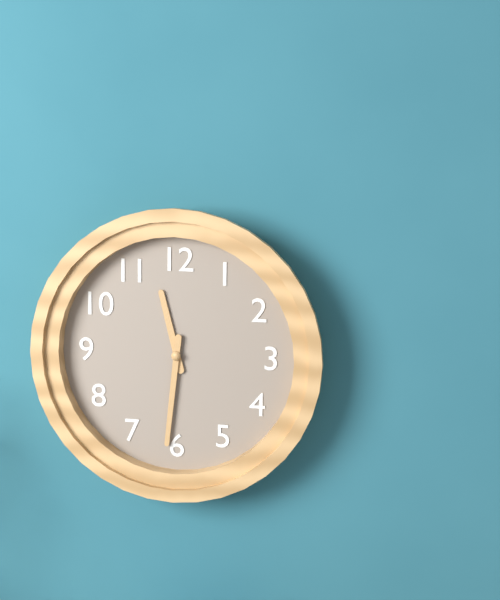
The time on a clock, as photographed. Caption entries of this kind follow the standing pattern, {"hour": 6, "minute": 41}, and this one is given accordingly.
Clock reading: {"hour": 11, "minute": 31}
